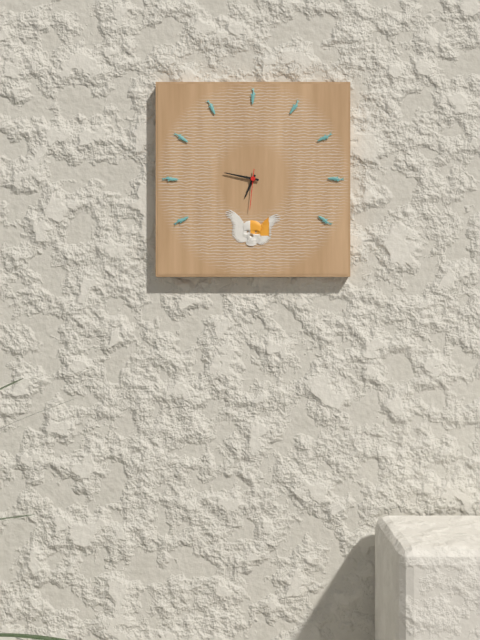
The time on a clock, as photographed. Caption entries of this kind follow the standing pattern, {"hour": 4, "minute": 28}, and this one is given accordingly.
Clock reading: {"hour": 6, "minute": 47}
